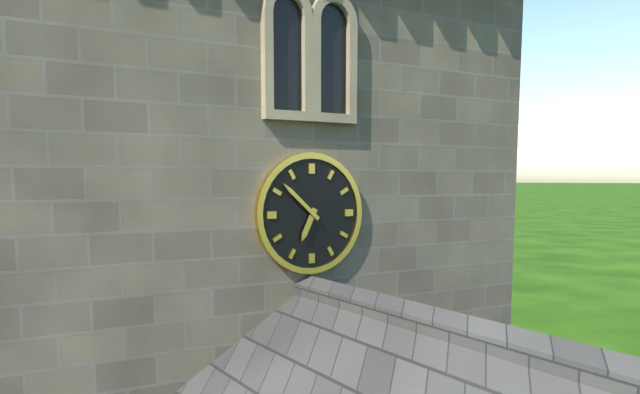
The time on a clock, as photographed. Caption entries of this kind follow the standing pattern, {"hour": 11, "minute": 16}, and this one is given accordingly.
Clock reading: {"hour": 6, "minute": 52}
